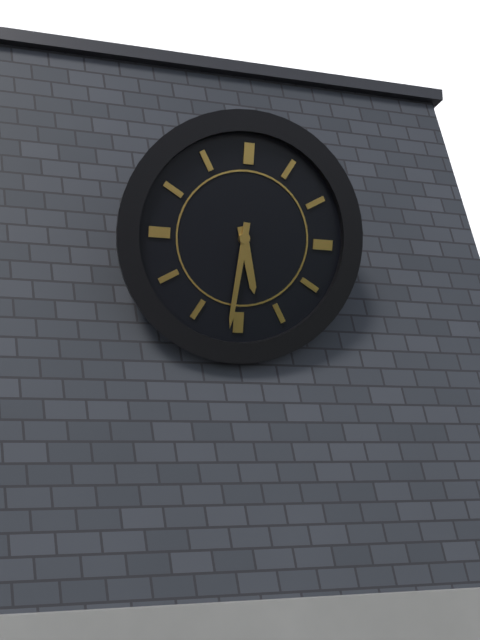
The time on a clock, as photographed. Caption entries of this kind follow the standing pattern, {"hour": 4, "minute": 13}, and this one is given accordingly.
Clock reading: {"hour": 5, "minute": 31}
